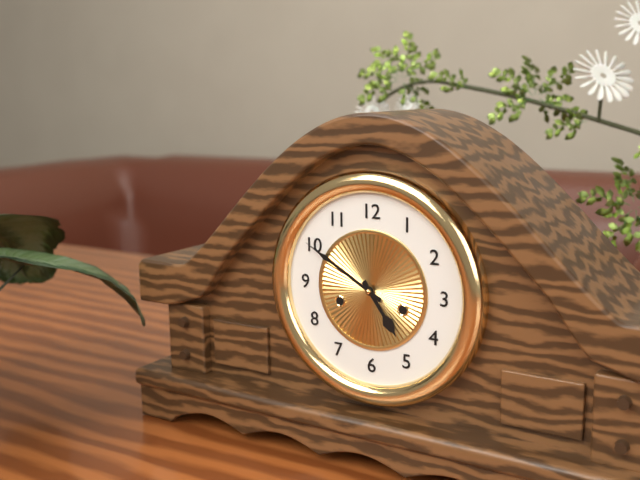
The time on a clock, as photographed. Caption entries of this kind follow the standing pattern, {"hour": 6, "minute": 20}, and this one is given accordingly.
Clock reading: {"hour": 4, "minute": 50}
